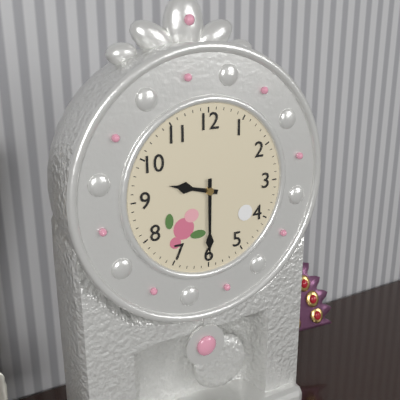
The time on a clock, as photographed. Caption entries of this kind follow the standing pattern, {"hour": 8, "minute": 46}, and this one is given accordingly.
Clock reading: {"hour": 9, "minute": 30}
